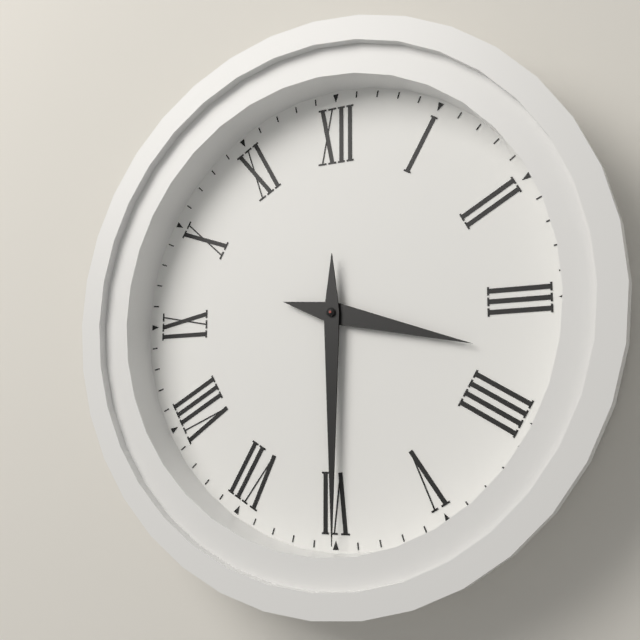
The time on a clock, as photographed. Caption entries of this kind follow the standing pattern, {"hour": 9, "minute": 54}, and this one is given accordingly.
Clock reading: {"hour": 3, "minute": 30}
